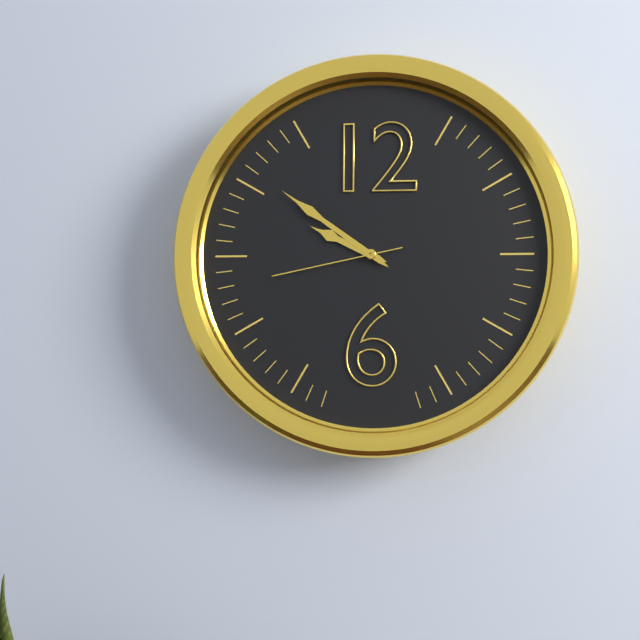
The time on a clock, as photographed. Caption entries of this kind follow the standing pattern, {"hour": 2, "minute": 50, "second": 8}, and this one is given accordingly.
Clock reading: {"hour": 9, "minute": 51, "second": 43}
